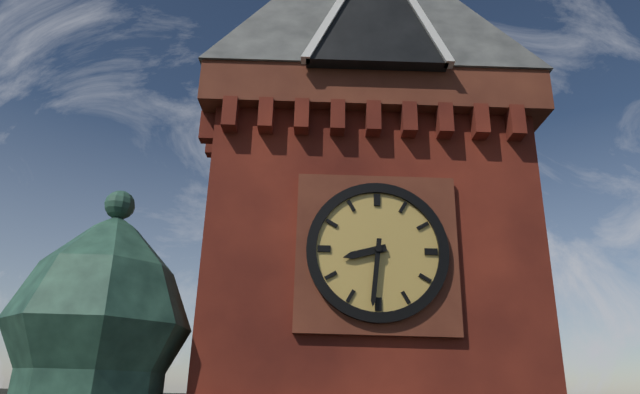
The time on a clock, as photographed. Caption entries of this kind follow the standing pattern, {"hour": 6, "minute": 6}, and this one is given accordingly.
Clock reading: {"hour": 8, "minute": 31}
